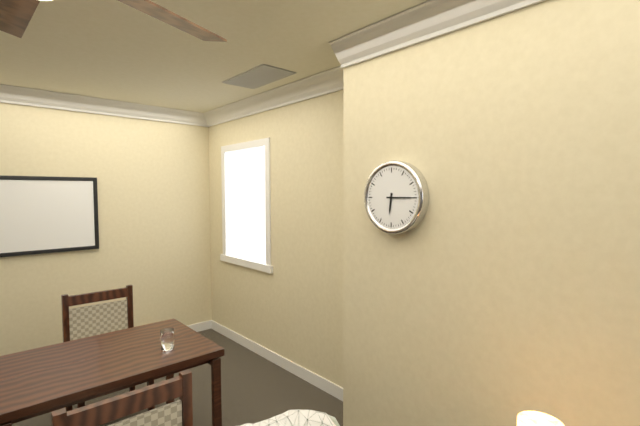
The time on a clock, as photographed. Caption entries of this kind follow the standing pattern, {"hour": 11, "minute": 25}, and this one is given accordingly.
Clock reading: {"hour": 6, "minute": 15}
